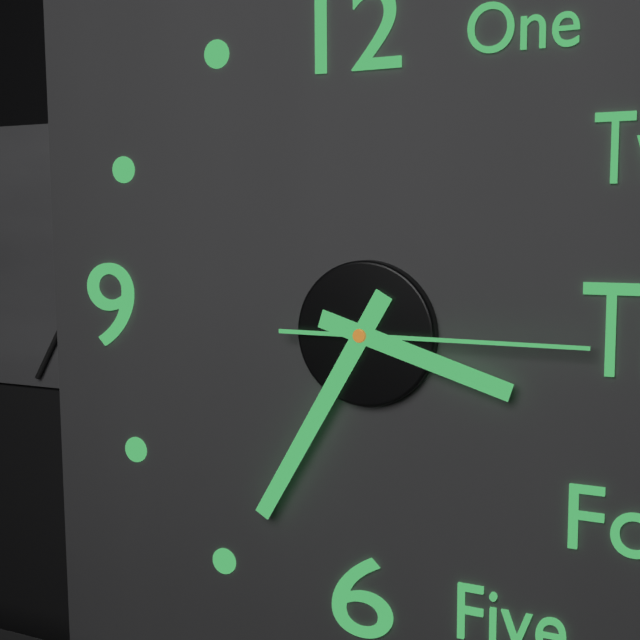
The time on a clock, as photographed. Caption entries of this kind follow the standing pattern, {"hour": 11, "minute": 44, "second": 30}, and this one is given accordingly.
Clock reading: {"hour": 3, "minute": 35, "second": 15}
